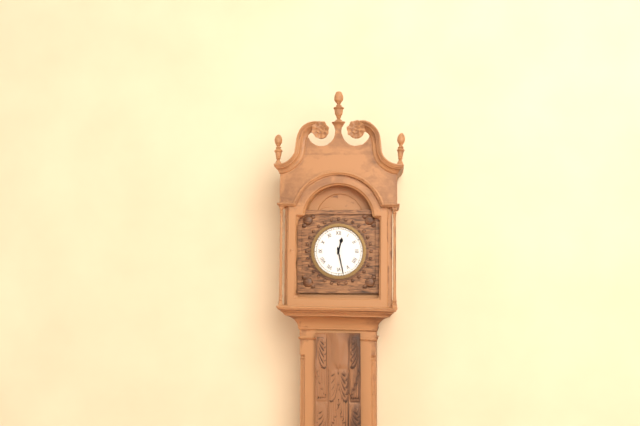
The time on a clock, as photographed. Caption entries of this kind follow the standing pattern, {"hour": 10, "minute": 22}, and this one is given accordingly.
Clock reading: {"hour": 12, "minute": 28}
